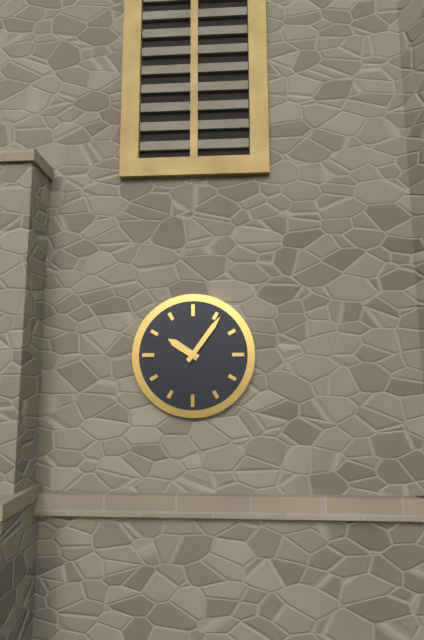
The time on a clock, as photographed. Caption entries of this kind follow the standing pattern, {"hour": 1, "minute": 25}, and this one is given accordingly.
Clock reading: {"hour": 10, "minute": 6}
